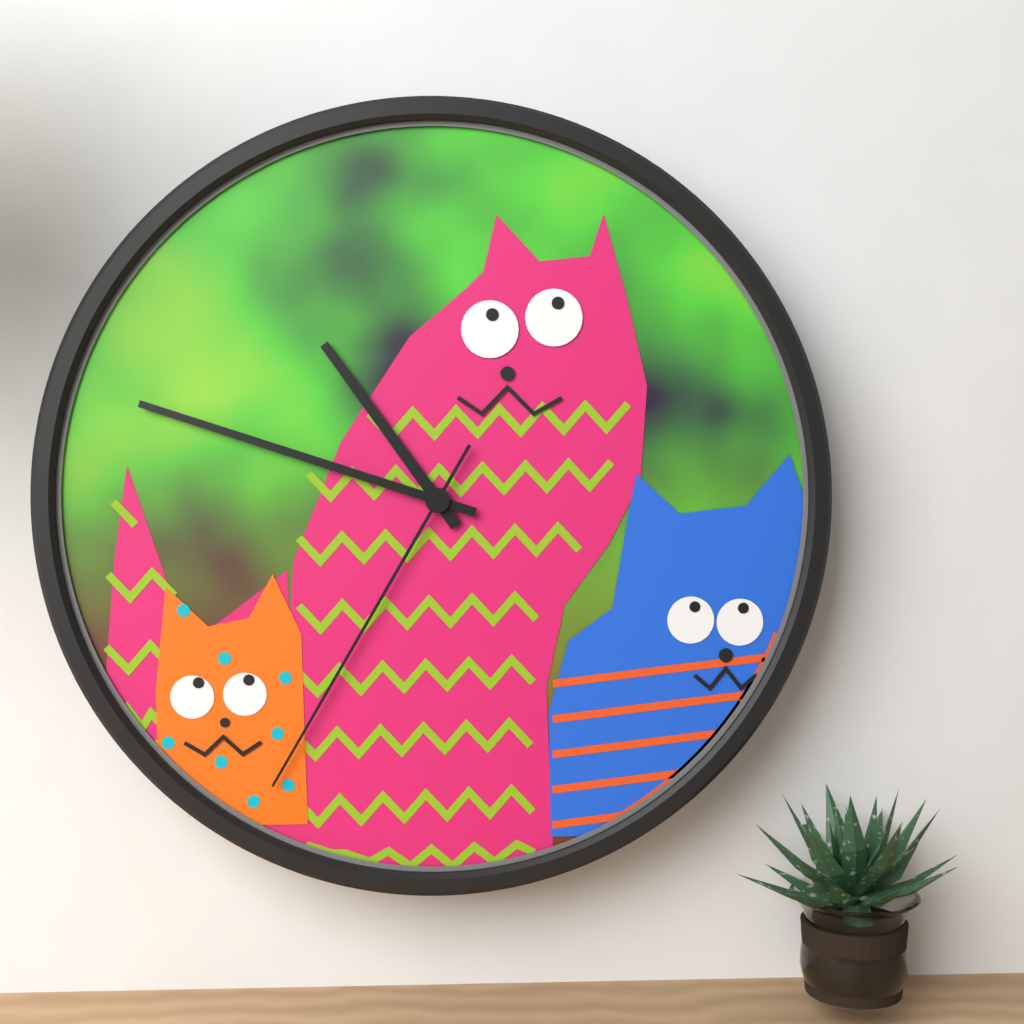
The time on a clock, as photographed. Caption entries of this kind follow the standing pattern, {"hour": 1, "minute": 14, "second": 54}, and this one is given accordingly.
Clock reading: {"hour": 10, "minute": 48, "second": 35}
